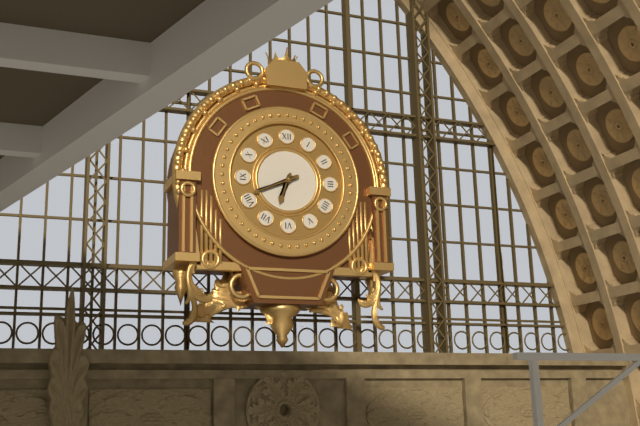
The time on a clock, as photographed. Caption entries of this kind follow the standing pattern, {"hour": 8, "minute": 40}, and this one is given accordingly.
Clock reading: {"hour": 6, "minute": 41}
